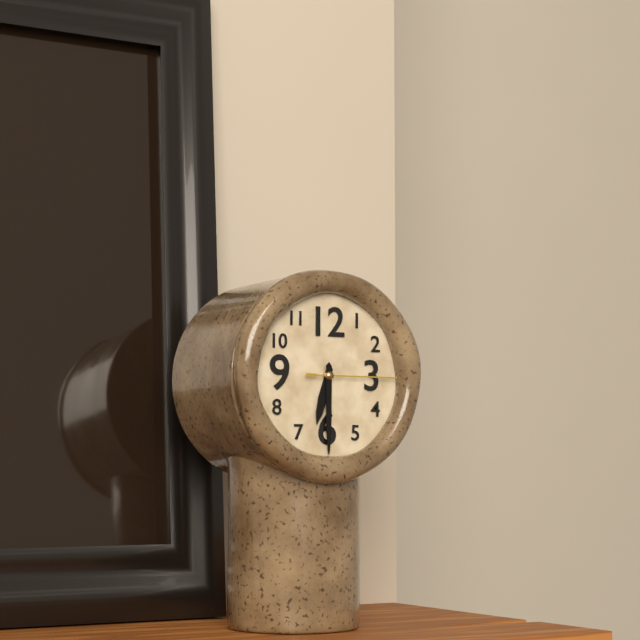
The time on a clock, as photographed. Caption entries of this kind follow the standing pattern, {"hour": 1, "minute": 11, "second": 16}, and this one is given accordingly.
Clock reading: {"hour": 6, "minute": 30, "second": 15}
